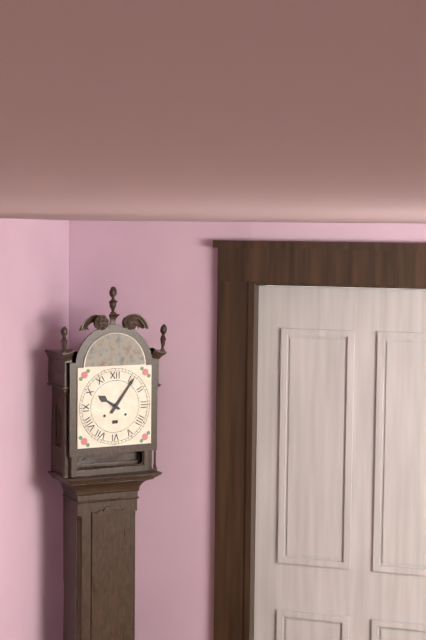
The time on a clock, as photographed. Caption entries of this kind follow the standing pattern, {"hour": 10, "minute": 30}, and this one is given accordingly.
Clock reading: {"hour": 10, "minute": 6}
